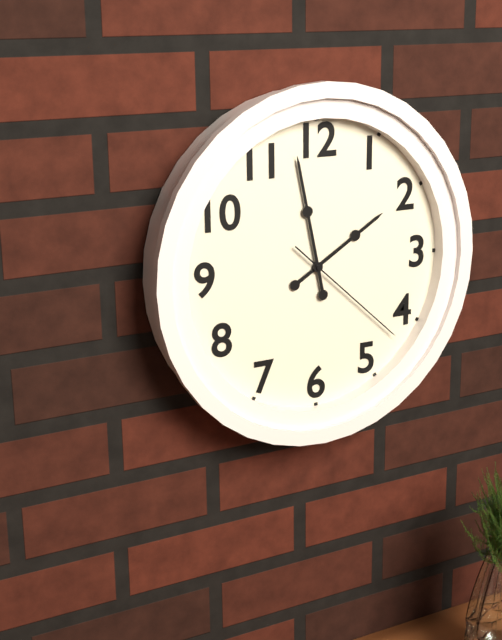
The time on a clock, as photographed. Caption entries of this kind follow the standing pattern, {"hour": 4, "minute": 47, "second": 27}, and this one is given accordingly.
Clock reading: {"hour": 1, "minute": 58, "second": 22}
